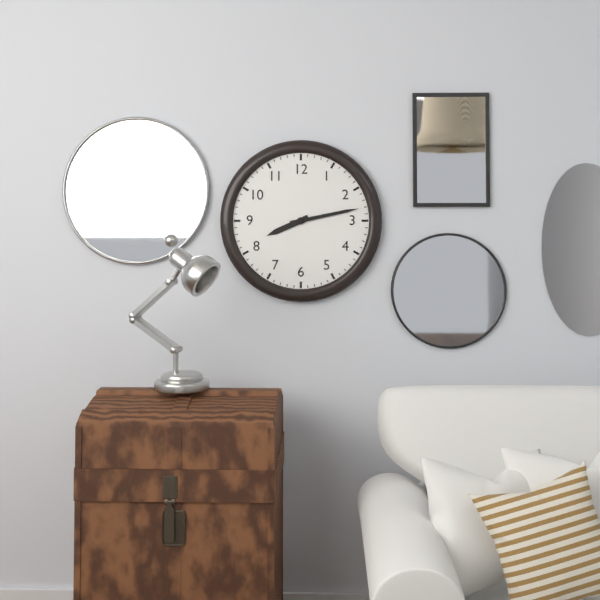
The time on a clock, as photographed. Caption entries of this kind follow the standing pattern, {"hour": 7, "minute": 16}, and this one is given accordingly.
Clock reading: {"hour": 8, "minute": 13}
